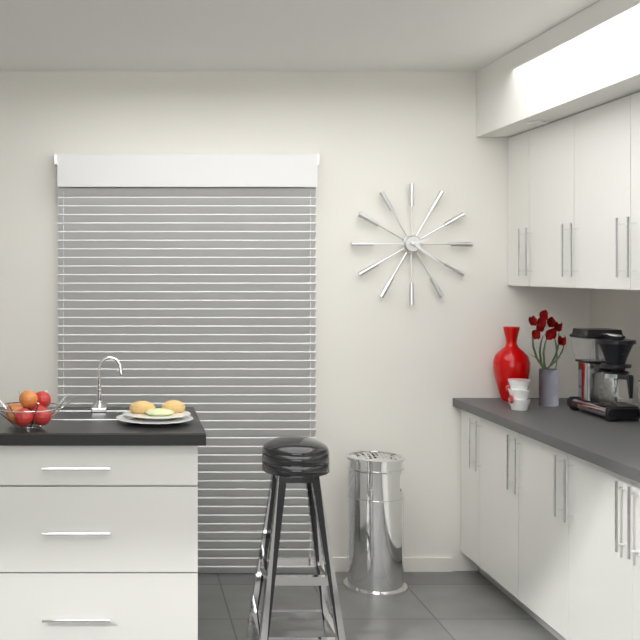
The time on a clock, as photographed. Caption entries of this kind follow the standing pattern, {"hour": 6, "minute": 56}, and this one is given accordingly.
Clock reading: {"hour": 2, "minute": 21}
